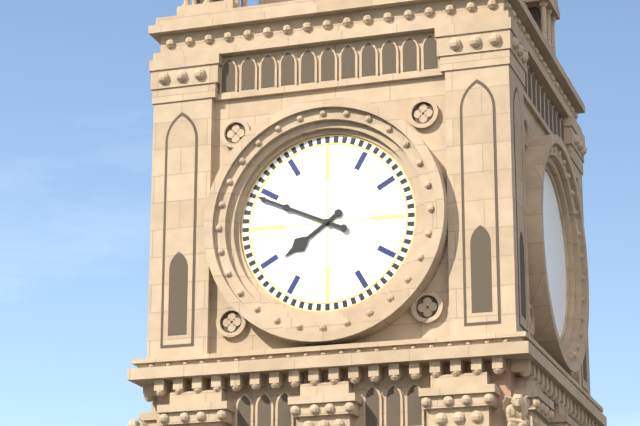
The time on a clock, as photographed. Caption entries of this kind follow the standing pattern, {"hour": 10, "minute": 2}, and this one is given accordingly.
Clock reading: {"hour": 7, "minute": 49}
